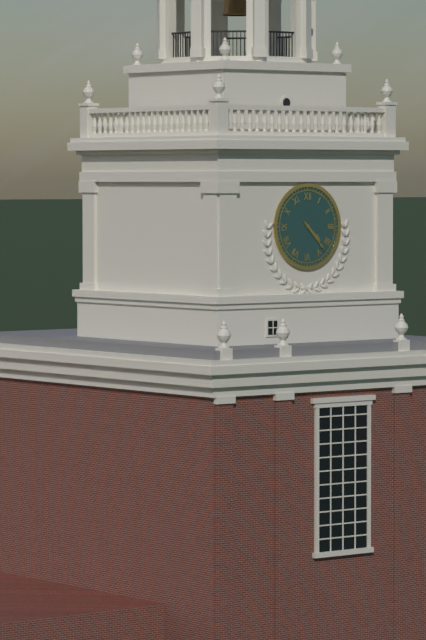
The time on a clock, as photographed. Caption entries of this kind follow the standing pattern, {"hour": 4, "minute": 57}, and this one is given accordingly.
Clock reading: {"hour": 4, "minute": 23}
